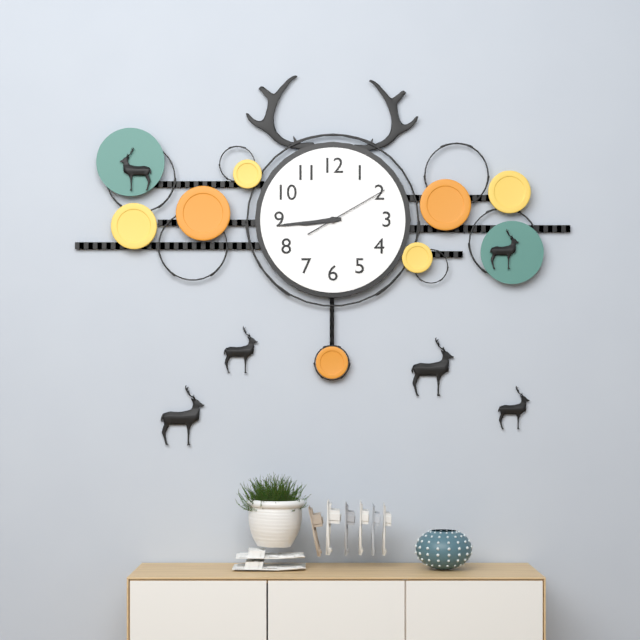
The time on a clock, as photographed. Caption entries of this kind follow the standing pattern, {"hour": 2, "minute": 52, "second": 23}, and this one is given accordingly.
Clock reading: {"hour": 8, "minute": 44, "second": 10}
